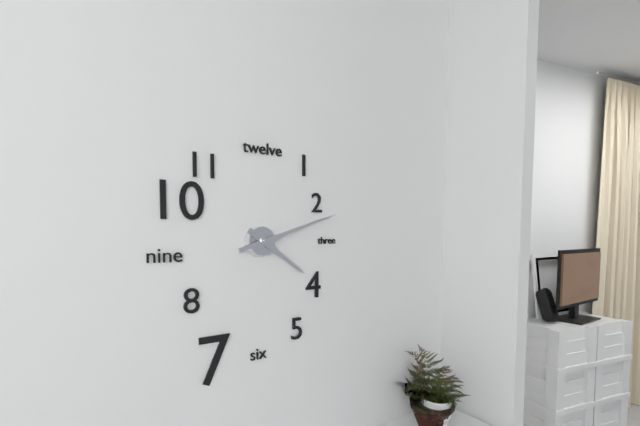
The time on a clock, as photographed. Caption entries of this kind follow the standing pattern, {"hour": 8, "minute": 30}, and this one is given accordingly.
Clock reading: {"hour": 4, "minute": 12}
